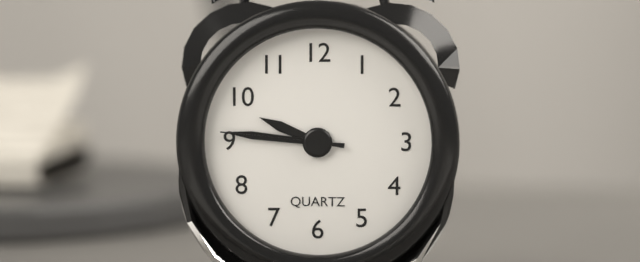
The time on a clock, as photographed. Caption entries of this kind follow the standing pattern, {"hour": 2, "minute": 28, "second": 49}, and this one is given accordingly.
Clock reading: {"hour": 9, "minute": 46, "second": 46}
